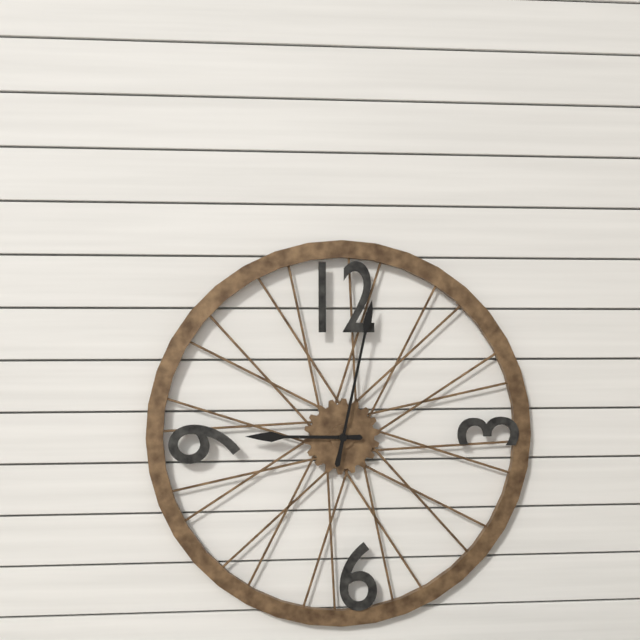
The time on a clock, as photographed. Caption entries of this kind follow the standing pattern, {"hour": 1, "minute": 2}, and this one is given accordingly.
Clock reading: {"hour": 9, "minute": 2}
